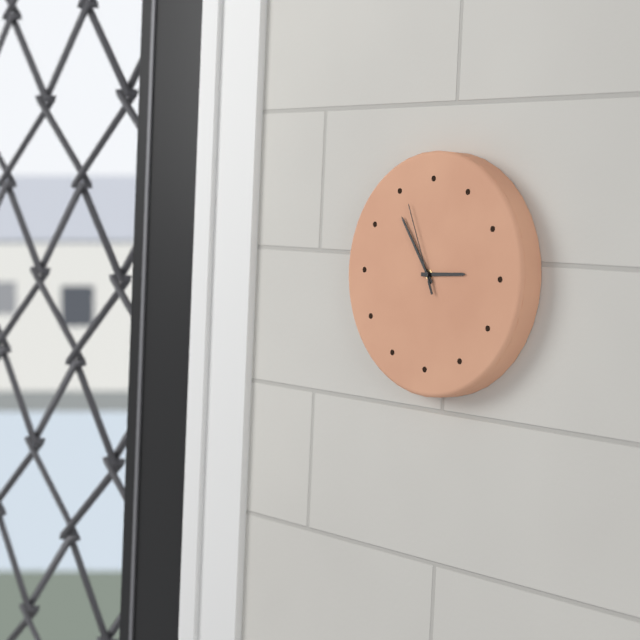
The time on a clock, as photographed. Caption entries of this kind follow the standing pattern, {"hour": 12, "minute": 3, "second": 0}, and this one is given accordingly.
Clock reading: {"hour": 2, "minute": 54, "second": 56}
